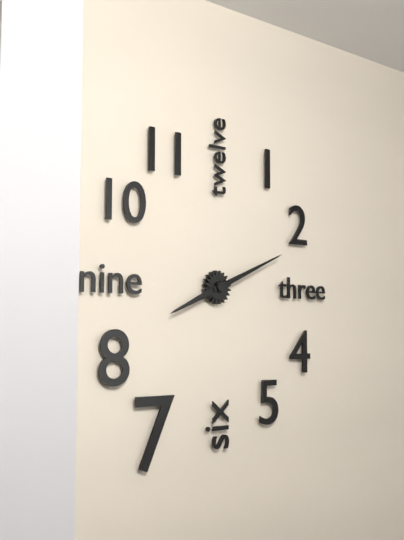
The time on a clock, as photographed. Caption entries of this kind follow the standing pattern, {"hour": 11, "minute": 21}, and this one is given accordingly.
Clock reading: {"hour": 8, "minute": 11}
